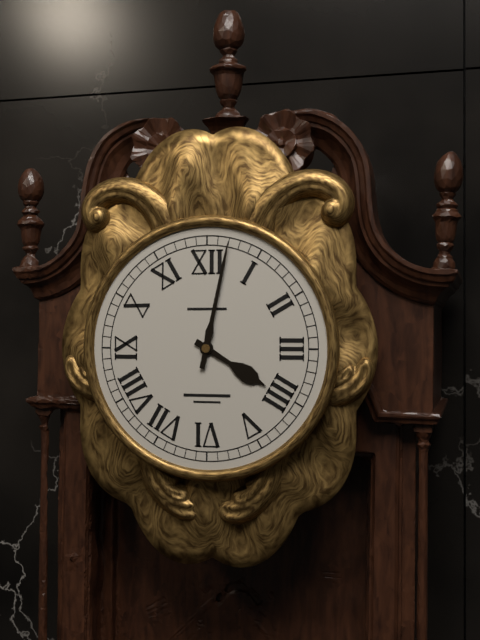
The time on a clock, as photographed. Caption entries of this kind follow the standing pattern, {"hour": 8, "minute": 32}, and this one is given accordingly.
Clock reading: {"hour": 4, "minute": 2}
